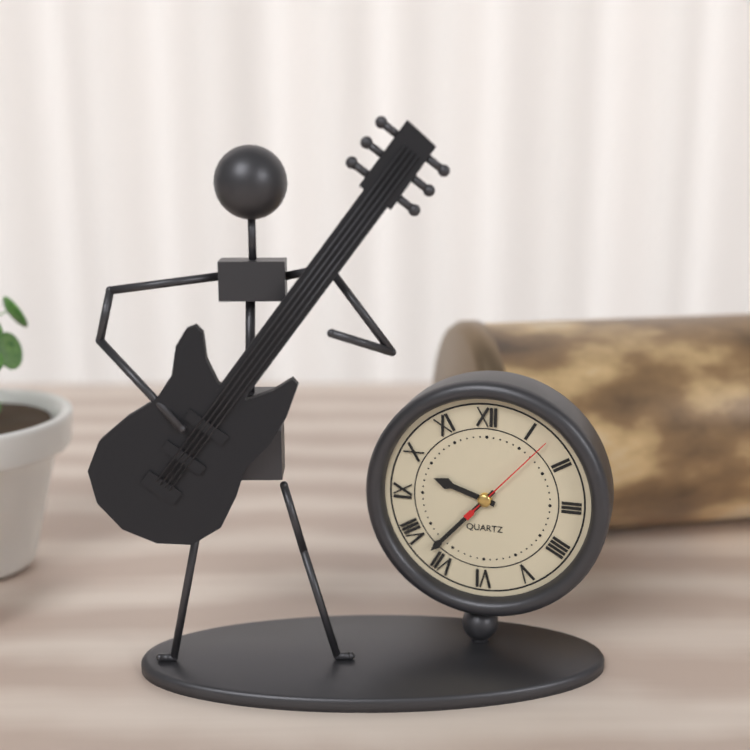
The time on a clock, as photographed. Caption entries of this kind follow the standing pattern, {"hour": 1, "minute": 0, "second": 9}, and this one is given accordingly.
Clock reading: {"hour": 9, "minute": 37, "second": 7}
